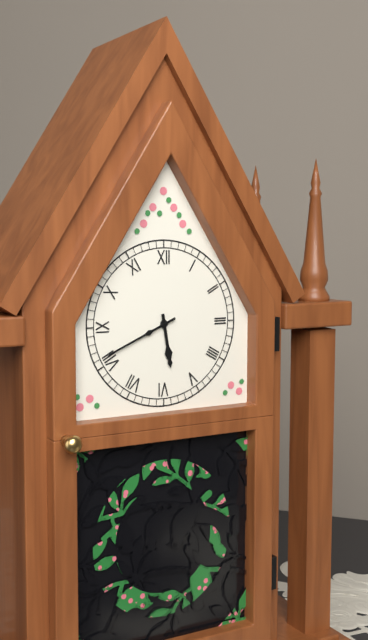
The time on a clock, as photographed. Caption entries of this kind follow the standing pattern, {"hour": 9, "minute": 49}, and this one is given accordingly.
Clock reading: {"hour": 5, "minute": 41}
